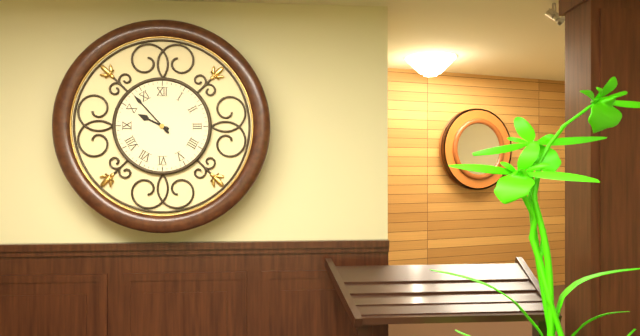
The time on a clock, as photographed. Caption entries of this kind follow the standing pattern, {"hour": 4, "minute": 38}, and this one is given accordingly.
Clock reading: {"hour": 9, "minute": 53}
